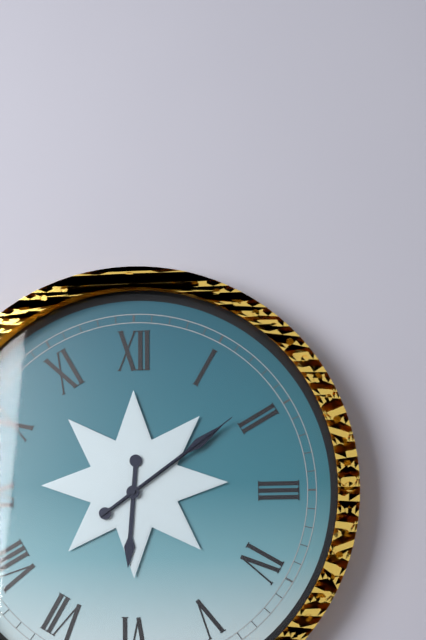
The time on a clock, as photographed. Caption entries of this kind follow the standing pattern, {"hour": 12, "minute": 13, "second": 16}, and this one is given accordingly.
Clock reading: {"hour": 6, "minute": 9, "second": 9}
